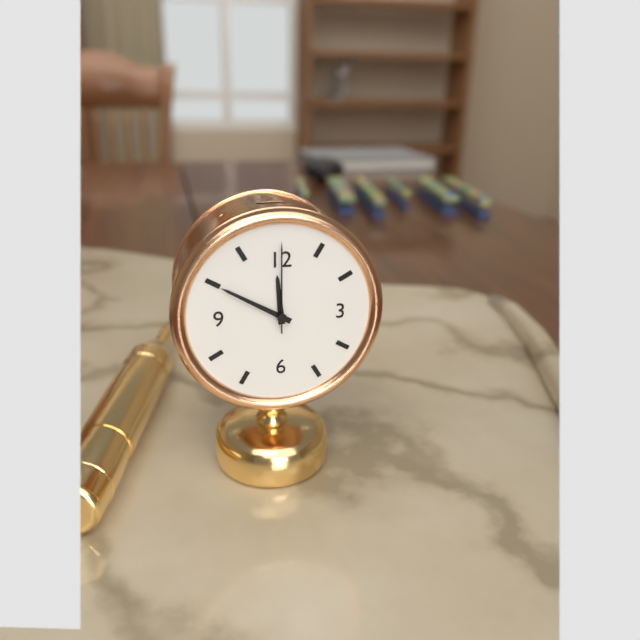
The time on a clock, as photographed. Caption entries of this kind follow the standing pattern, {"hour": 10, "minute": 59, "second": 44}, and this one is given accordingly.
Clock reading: {"hour": 11, "minute": 50, "second": 0}
